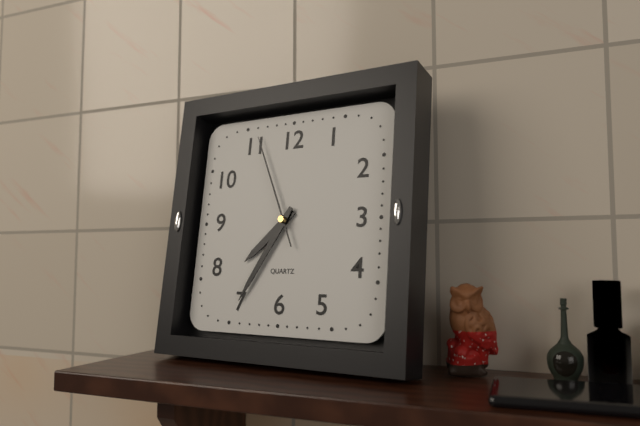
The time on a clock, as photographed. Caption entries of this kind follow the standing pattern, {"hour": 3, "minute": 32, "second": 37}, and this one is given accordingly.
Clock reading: {"hour": 7, "minute": 35, "second": 56}
